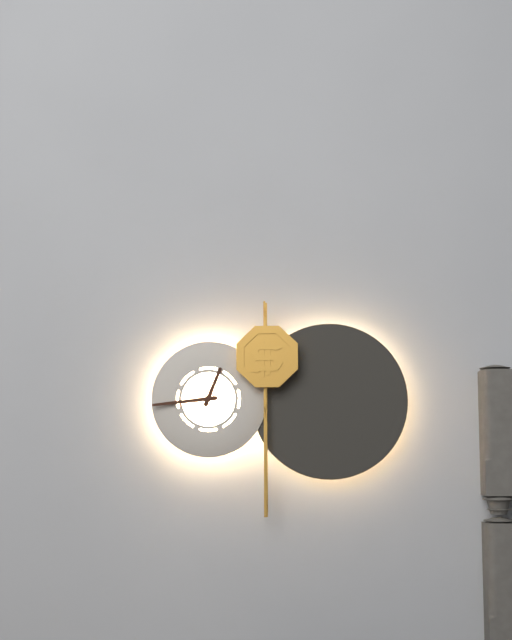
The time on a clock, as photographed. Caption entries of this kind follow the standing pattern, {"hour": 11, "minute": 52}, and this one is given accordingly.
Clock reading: {"hour": 12, "minute": 44}
